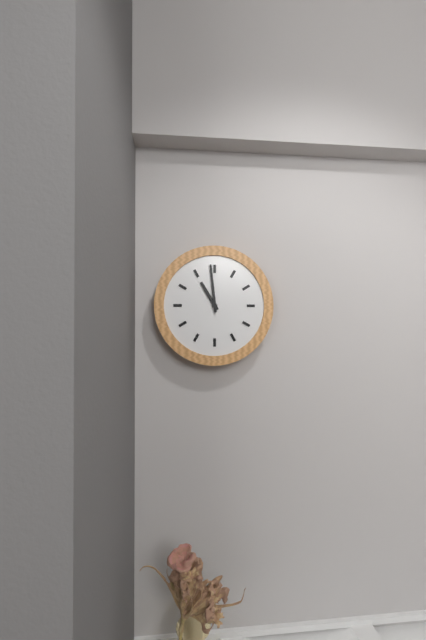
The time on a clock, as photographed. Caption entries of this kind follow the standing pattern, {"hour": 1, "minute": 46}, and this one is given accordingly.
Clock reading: {"hour": 10, "minute": 59}
